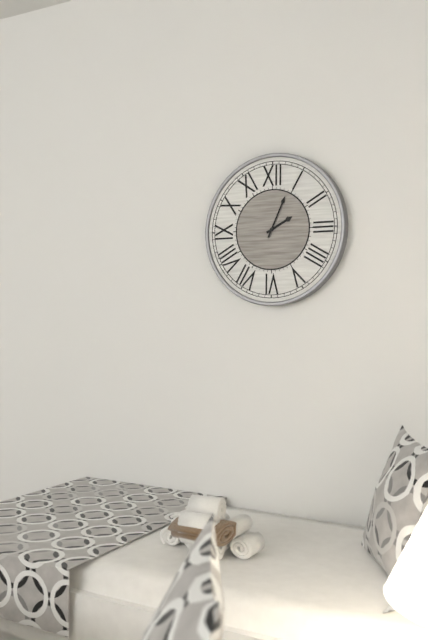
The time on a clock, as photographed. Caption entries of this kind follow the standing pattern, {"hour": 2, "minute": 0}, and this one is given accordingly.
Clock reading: {"hour": 2, "minute": 4}
